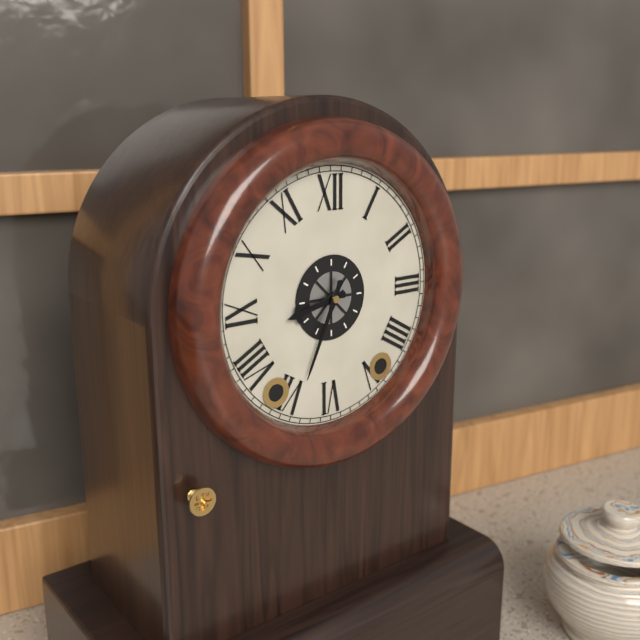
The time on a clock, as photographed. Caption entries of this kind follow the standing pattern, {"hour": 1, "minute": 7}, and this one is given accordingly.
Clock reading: {"hour": 8, "minute": 34}
